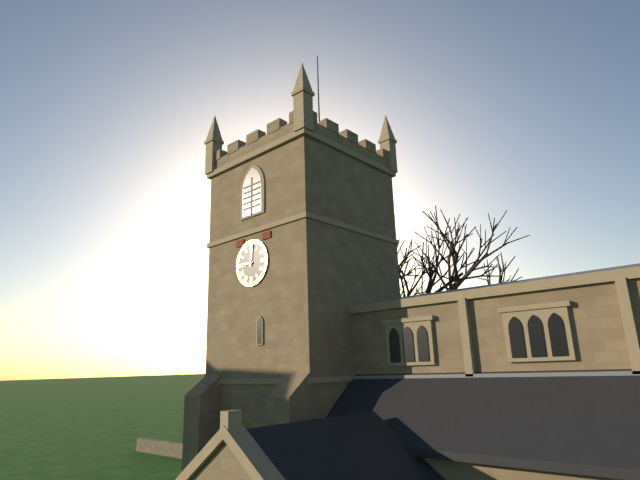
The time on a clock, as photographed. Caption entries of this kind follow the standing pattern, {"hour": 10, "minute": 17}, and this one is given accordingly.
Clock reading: {"hour": 9, "minute": 1}
